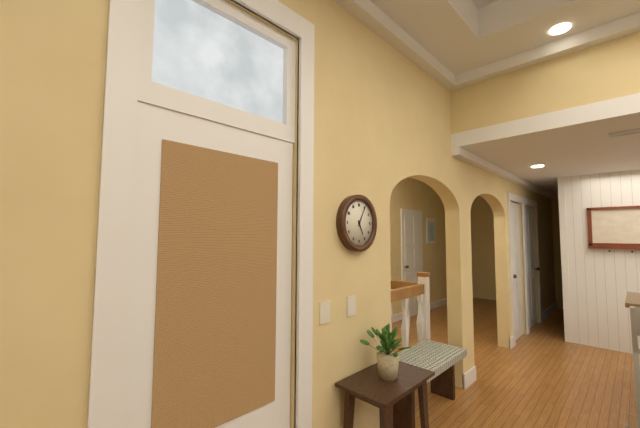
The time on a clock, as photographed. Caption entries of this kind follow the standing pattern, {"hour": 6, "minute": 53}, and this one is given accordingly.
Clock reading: {"hour": 5, "minute": 5}
